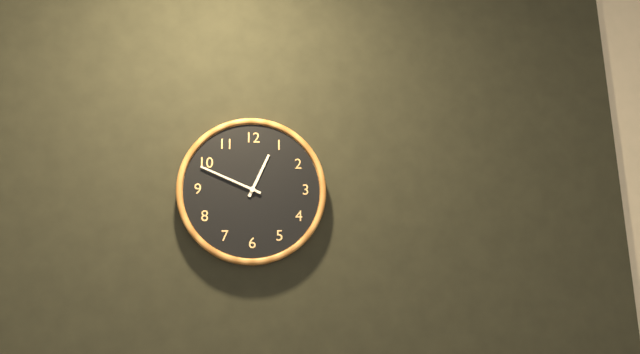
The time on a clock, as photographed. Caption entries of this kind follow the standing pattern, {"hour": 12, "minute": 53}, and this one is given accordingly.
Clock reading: {"hour": 12, "minute": 49}
